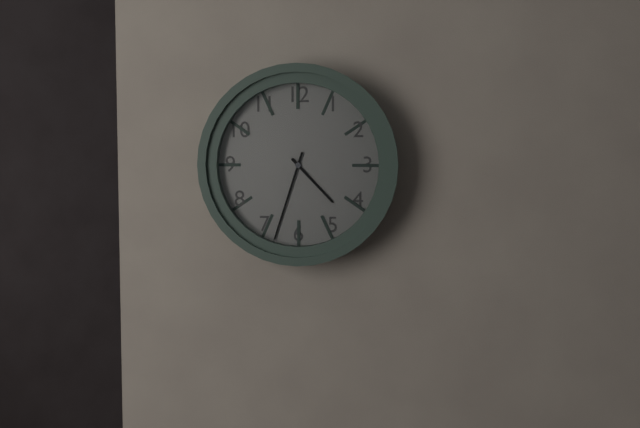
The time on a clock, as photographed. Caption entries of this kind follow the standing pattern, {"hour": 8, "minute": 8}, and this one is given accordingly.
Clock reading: {"hour": 4, "minute": 33}
